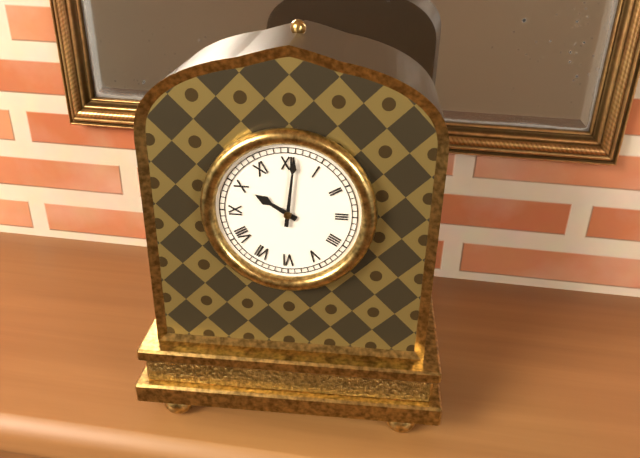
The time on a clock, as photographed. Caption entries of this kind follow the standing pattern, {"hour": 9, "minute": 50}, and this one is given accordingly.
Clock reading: {"hour": 10, "minute": 1}
